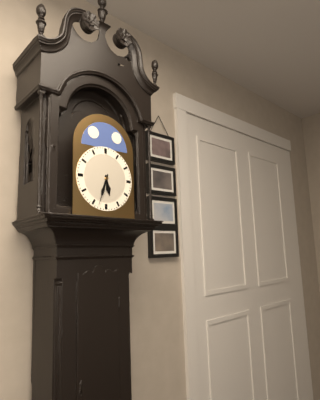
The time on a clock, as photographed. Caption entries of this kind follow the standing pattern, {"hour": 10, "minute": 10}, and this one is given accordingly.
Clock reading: {"hour": 5, "minute": 33}
